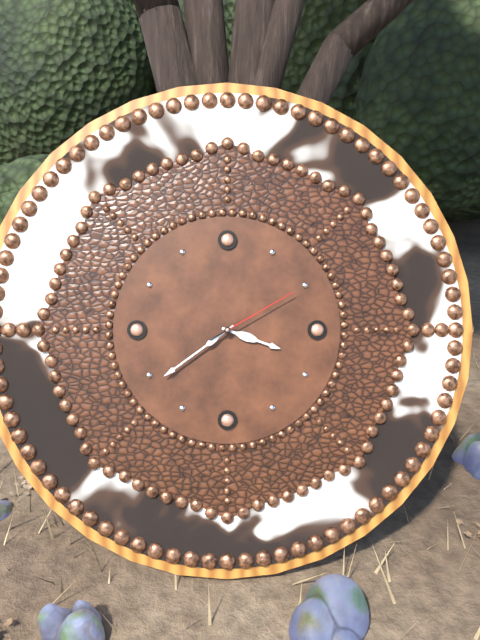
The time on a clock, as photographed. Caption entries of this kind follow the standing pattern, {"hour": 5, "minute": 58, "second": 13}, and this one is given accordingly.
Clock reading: {"hour": 3, "minute": 39, "second": 10}
